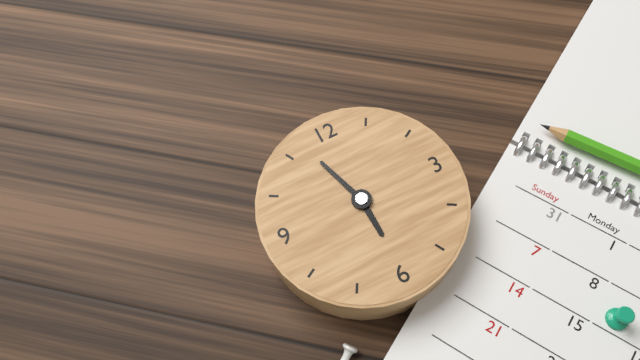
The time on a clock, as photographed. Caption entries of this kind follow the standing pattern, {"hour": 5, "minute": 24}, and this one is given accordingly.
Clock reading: {"hour": 5, "minute": 57}
